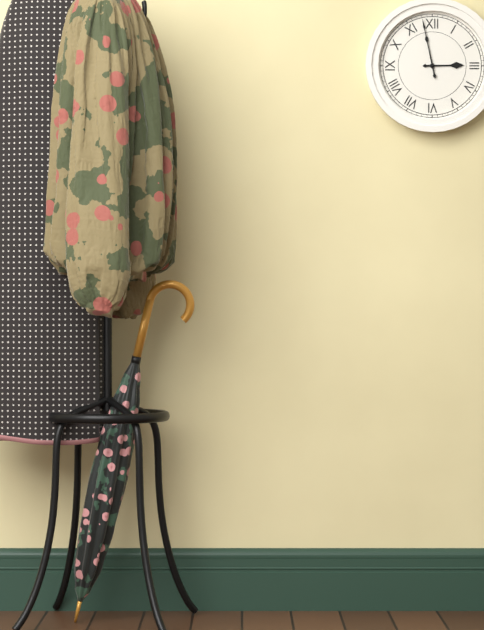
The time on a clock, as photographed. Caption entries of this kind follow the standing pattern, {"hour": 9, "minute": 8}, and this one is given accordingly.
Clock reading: {"hour": 2, "minute": 58}
